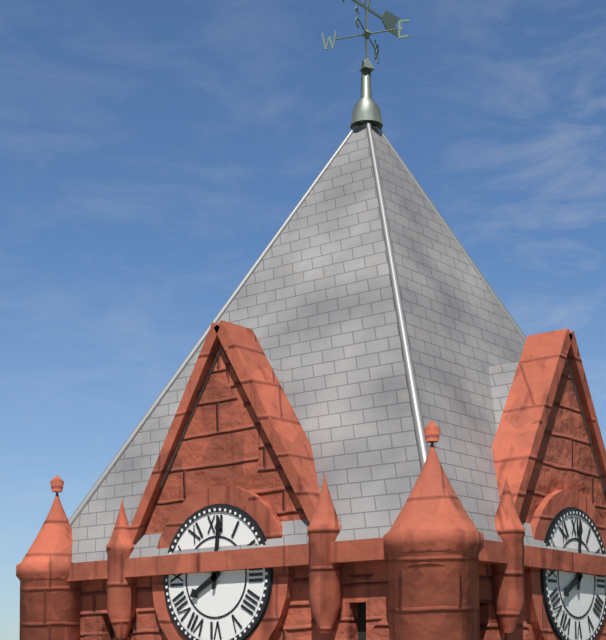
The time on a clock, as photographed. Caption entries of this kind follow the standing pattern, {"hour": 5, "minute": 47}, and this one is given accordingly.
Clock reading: {"hour": 8, "minute": 1}
